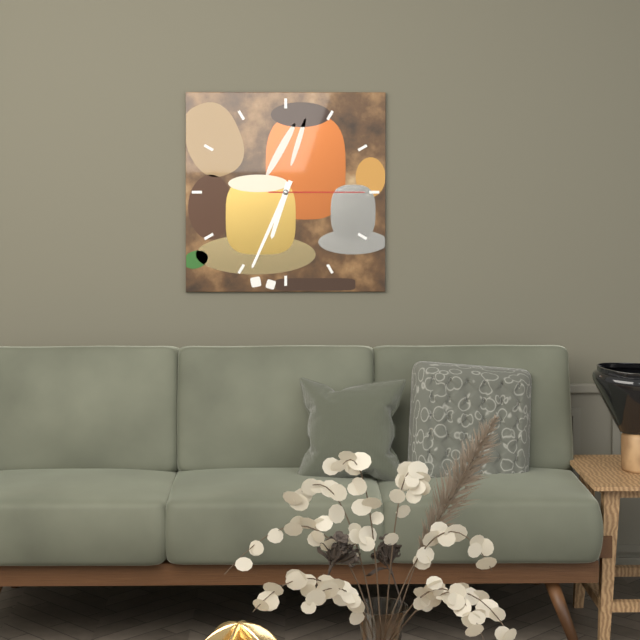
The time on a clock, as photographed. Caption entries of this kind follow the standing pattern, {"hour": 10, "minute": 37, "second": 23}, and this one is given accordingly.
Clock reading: {"hour": 6, "minute": 34, "second": 15}
